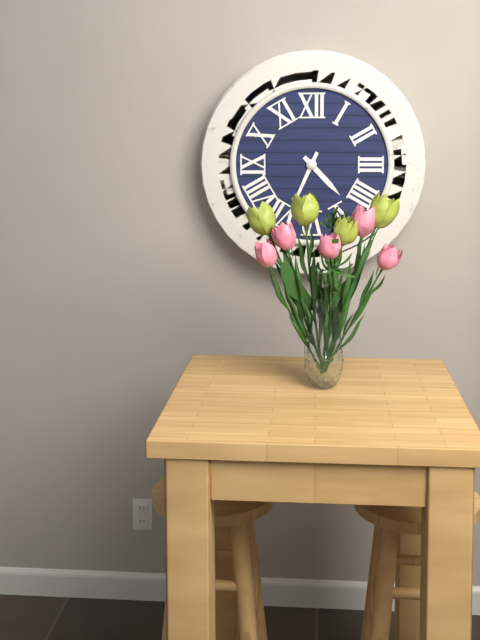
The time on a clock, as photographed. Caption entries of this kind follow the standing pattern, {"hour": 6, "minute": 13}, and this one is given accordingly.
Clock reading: {"hour": 4, "minute": 34}
